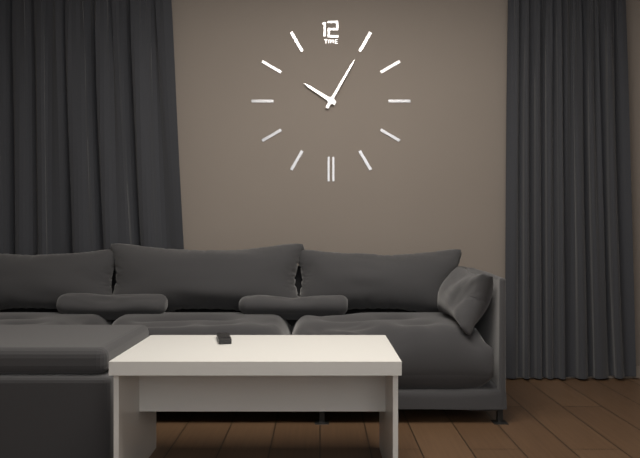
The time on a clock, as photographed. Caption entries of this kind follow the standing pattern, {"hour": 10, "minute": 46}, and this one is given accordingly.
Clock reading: {"hour": 10, "minute": 5}
